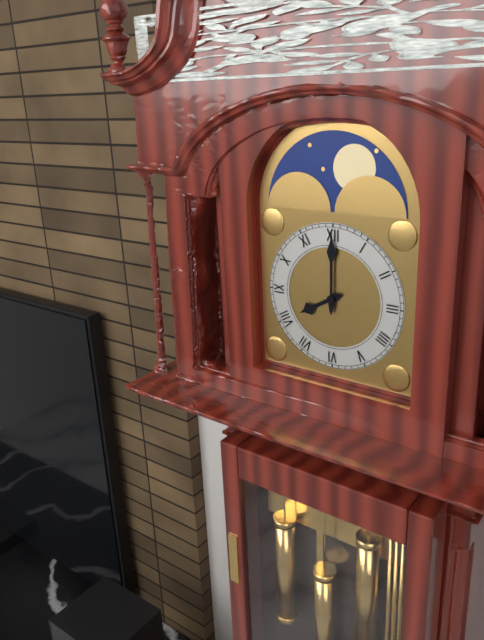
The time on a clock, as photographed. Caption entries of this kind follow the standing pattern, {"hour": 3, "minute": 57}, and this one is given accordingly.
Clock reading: {"hour": 8, "minute": 0}
